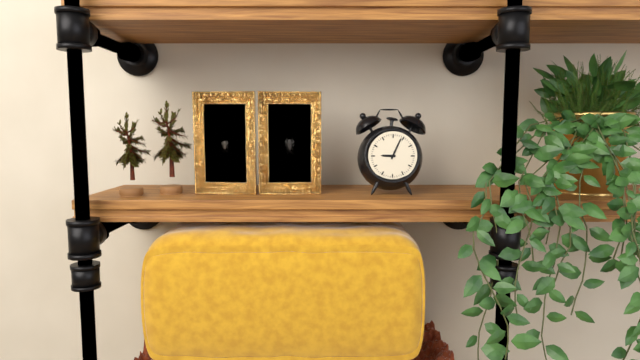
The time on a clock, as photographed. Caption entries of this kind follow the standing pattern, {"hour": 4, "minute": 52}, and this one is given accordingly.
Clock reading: {"hour": 9, "minute": 4}
